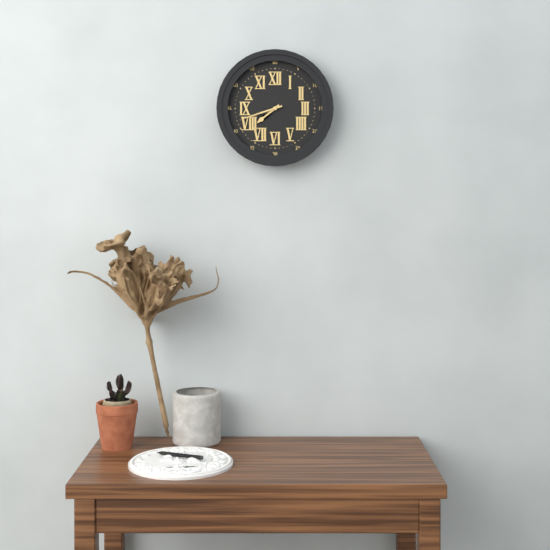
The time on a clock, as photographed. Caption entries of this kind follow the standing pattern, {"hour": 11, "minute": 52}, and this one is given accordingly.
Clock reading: {"hour": 7, "minute": 42}
